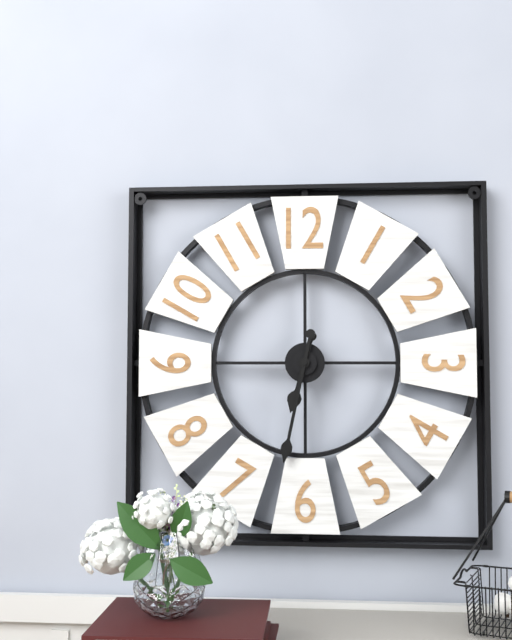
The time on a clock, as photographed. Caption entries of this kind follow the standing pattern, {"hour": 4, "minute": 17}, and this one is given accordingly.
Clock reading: {"hour": 6, "minute": 32}
